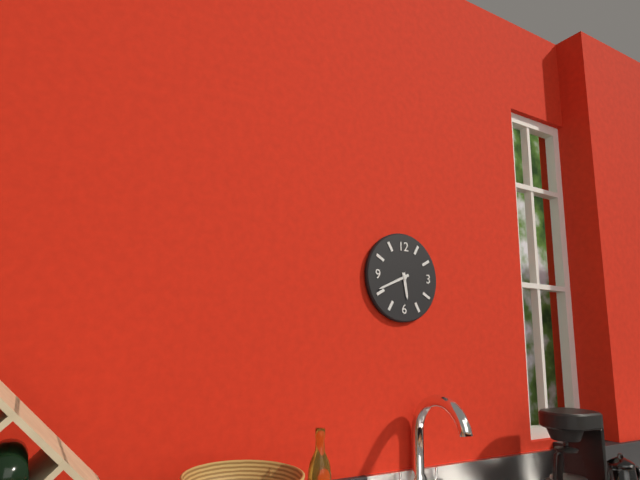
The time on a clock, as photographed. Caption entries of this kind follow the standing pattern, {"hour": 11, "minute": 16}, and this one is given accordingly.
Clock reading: {"hour": 5, "minute": 41}
